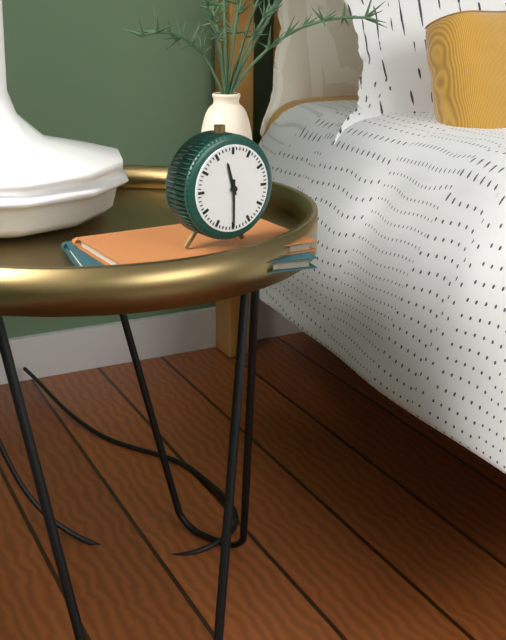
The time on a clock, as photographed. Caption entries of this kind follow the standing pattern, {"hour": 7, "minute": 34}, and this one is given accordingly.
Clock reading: {"hour": 11, "minute": 30}
